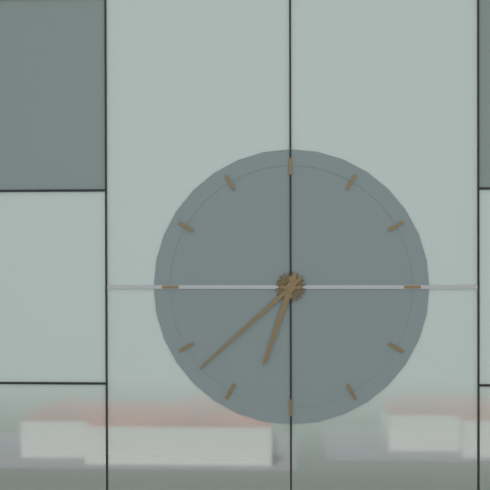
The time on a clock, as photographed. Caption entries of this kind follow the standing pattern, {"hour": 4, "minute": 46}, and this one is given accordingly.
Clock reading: {"hour": 6, "minute": 38}
